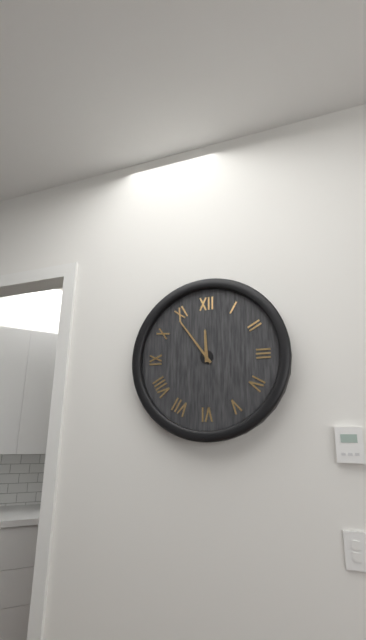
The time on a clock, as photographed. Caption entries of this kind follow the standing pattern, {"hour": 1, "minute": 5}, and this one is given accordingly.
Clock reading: {"hour": 11, "minute": 54}
